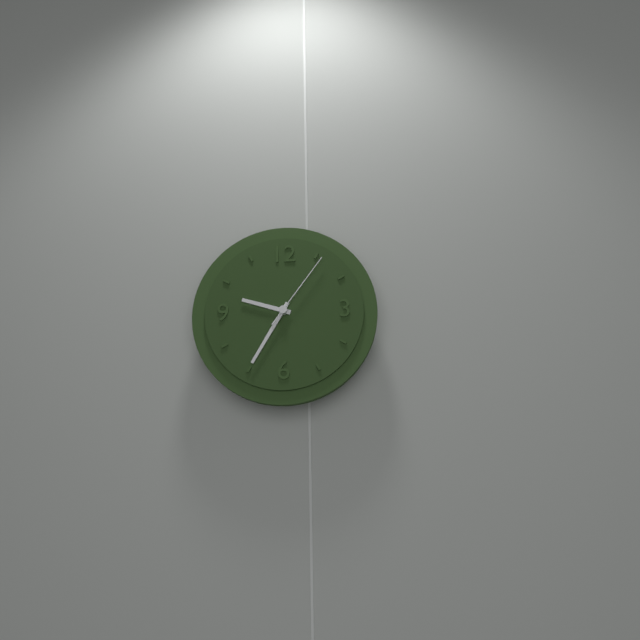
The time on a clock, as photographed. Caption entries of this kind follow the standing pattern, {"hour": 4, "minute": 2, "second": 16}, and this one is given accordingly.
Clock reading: {"hour": 9, "minute": 35, "second": 6}
